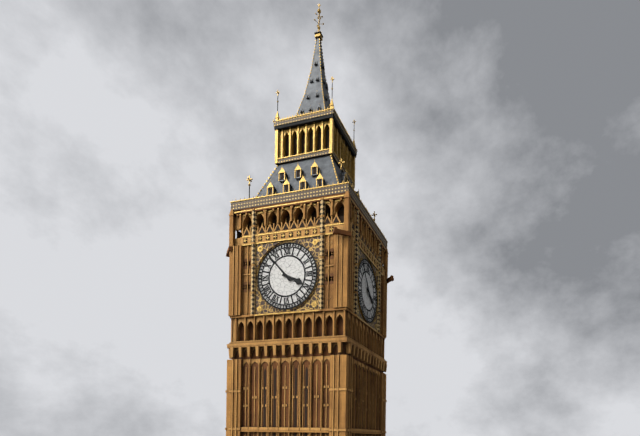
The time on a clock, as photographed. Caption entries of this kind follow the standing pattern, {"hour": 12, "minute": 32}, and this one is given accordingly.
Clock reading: {"hour": 3, "minute": 53}
